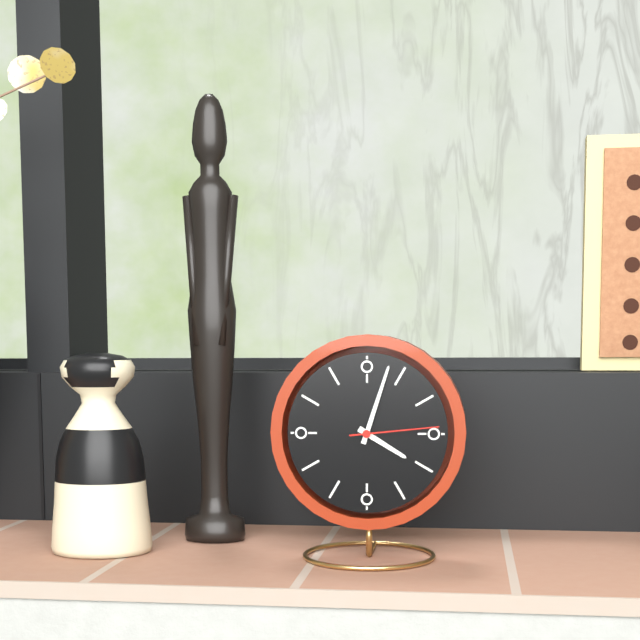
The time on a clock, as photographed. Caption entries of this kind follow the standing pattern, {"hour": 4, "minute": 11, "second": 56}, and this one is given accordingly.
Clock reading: {"hour": 4, "minute": 3, "second": 14}
